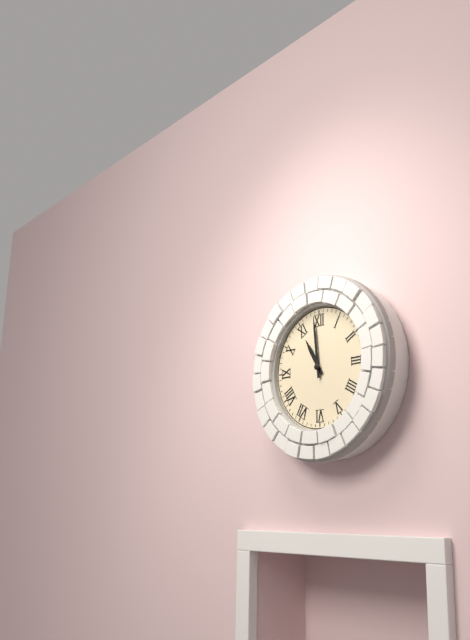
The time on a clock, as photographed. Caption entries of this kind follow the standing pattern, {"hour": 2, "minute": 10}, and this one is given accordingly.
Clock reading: {"hour": 10, "minute": 59}
